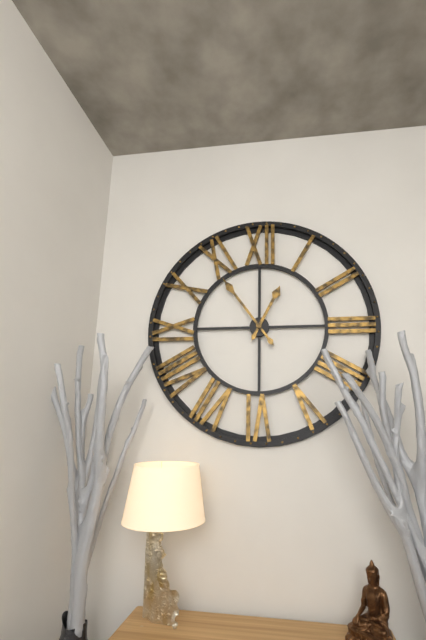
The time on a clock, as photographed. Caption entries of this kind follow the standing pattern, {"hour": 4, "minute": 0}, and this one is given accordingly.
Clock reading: {"hour": 12, "minute": 54}
